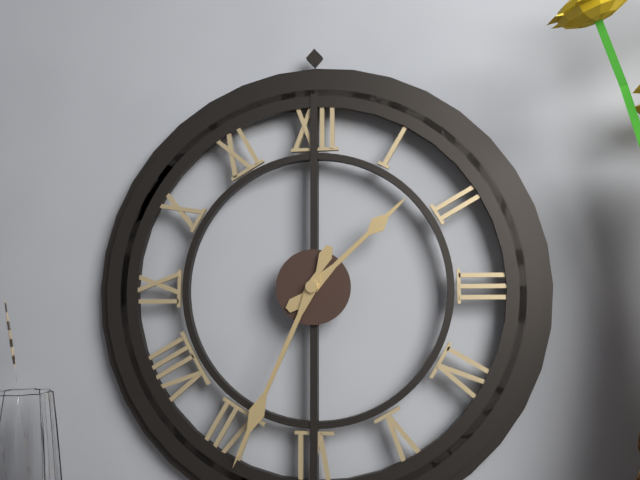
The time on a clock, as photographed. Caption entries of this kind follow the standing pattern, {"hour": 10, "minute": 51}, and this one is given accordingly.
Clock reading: {"hour": 1, "minute": 34}
